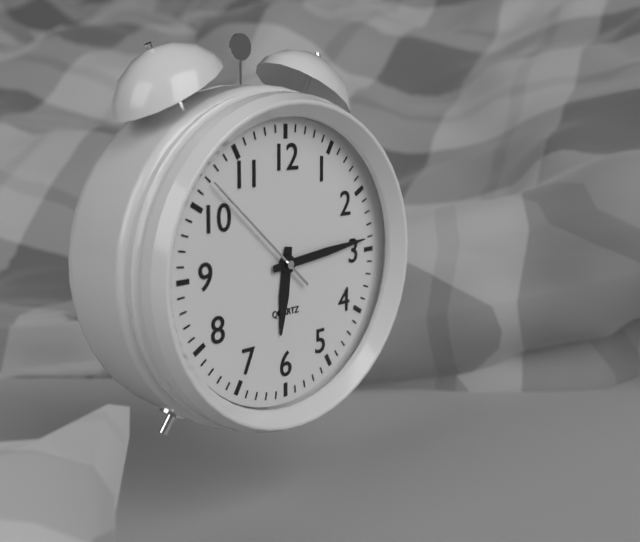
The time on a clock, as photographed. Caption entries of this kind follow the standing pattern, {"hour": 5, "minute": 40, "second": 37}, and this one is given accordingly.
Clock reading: {"hour": 6, "minute": 14, "second": 52}
